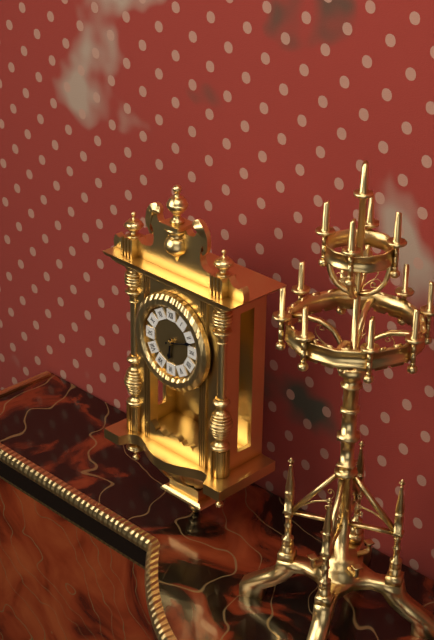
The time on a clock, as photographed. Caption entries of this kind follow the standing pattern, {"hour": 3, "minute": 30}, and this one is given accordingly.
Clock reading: {"hour": 6, "minute": 12}
